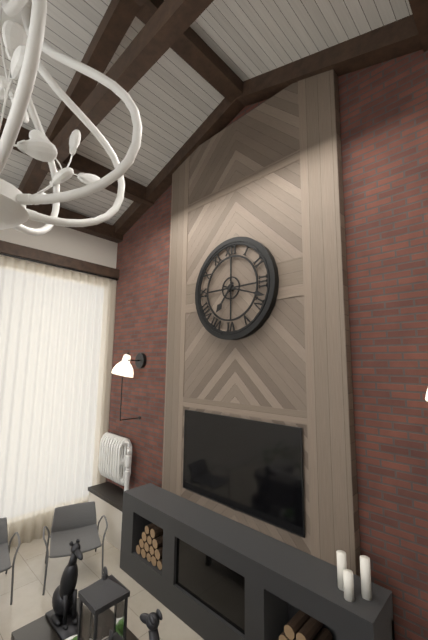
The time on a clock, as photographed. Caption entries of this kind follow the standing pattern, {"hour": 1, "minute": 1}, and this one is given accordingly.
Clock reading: {"hour": 7, "minute": 18}
